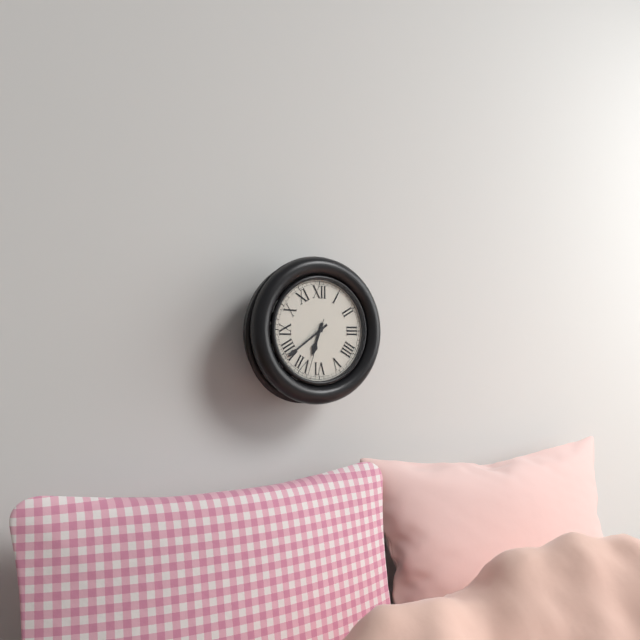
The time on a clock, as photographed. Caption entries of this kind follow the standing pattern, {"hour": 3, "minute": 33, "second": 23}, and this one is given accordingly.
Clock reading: {"hour": 6, "minute": 39, "second": 33}
